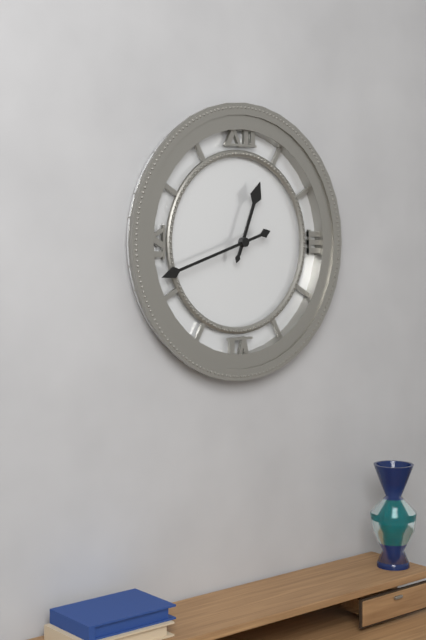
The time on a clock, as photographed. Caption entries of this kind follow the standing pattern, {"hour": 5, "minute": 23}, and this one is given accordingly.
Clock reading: {"hour": 12, "minute": 42}
